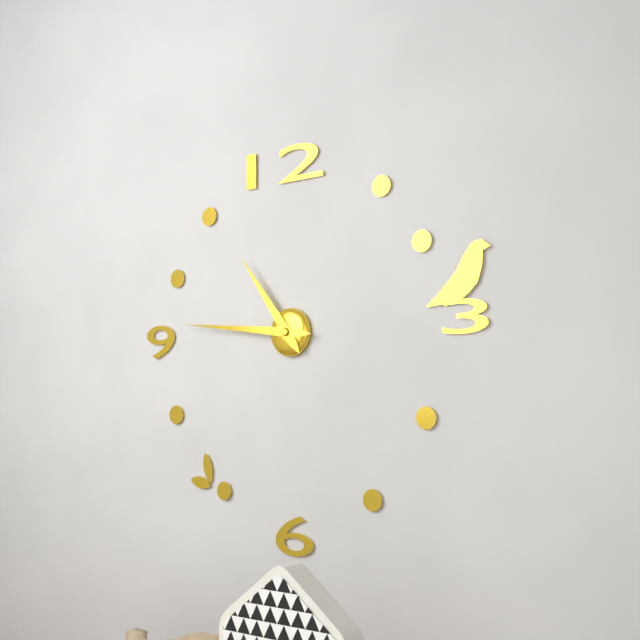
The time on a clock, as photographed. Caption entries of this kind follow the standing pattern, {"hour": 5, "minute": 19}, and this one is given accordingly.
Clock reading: {"hour": 10, "minute": 46}
